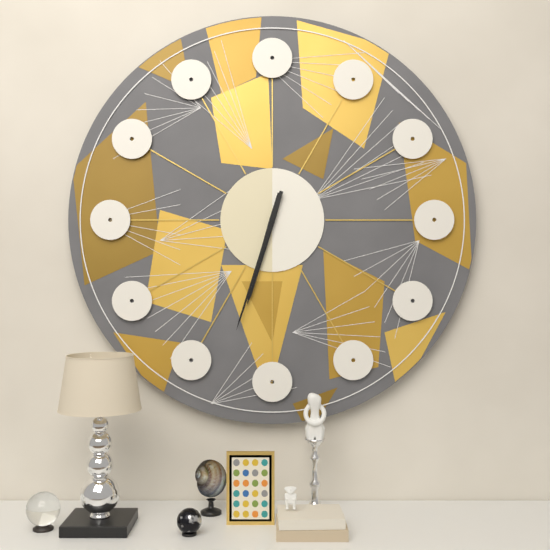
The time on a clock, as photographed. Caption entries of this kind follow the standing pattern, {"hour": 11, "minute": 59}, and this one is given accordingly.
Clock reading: {"hour": 6, "minute": 33}
